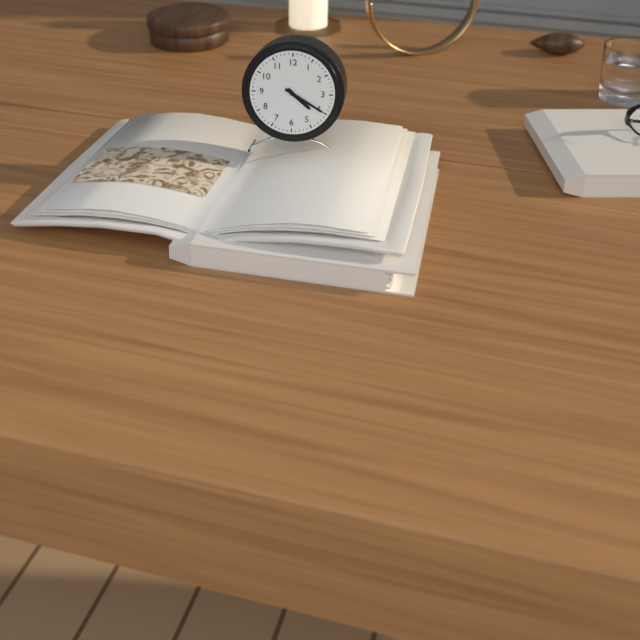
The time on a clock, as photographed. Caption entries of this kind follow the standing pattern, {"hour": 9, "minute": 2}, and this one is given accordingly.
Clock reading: {"hour": 4, "minute": 20}
